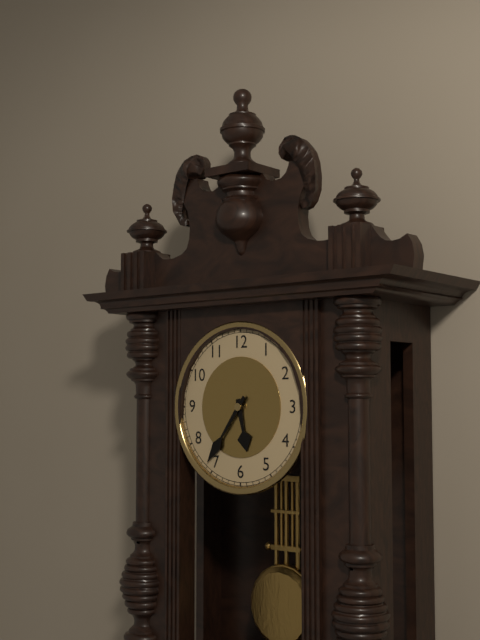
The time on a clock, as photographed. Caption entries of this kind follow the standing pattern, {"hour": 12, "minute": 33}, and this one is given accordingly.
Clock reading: {"hour": 5, "minute": 36}
